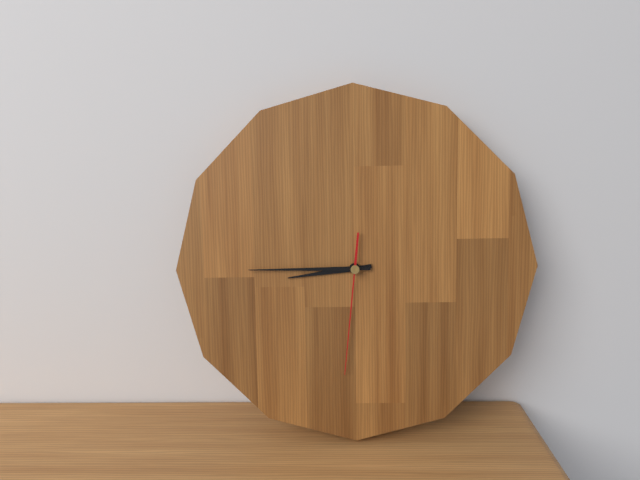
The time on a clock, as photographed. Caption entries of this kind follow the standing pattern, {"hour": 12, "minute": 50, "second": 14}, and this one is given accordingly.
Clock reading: {"hour": 8, "minute": 45, "second": 31}
